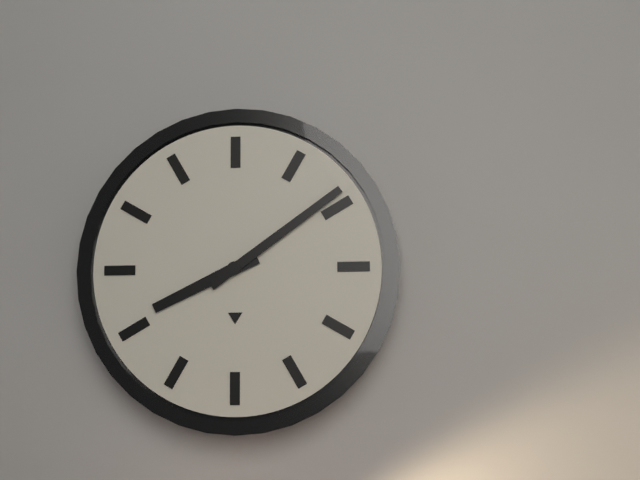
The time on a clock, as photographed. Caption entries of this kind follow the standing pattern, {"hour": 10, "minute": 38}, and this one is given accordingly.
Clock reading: {"hour": 8, "minute": 9}
